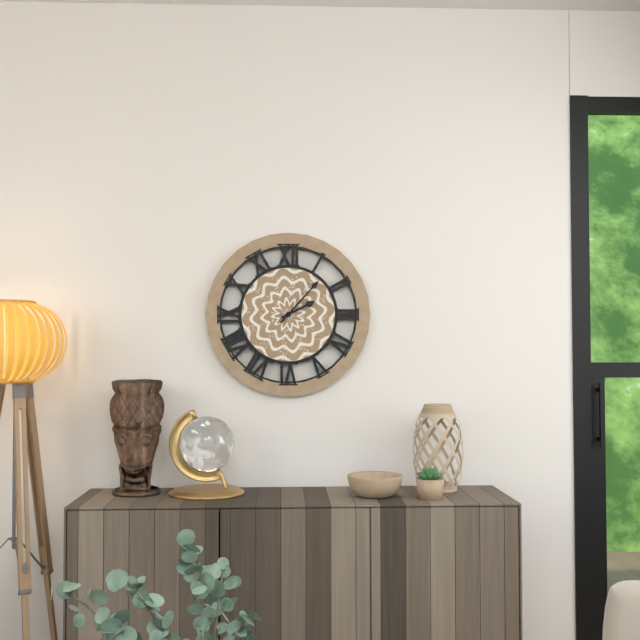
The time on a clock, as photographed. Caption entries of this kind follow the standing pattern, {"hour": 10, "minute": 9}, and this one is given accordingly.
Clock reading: {"hour": 2, "minute": 7}
